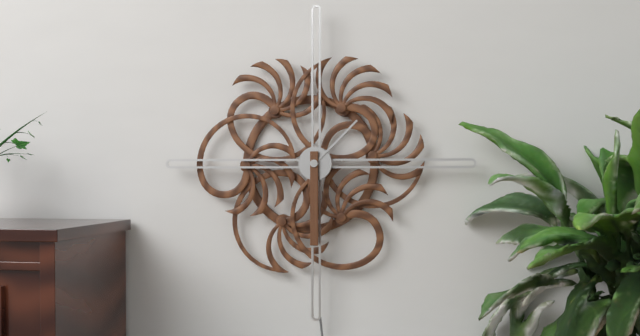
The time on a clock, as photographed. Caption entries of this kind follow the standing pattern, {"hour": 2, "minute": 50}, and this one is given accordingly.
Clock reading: {"hour": 1, "minute": 30}
